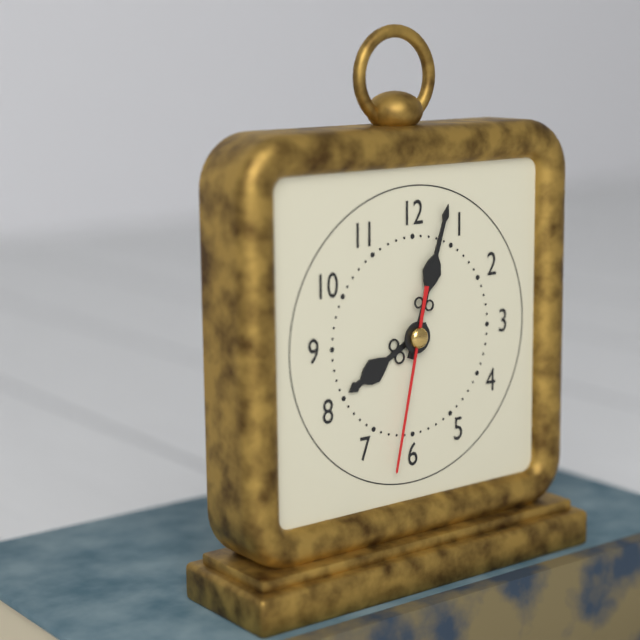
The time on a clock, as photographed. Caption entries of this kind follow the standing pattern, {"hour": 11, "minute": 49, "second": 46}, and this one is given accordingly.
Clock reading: {"hour": 8, "minute": 3, "second": 32}
